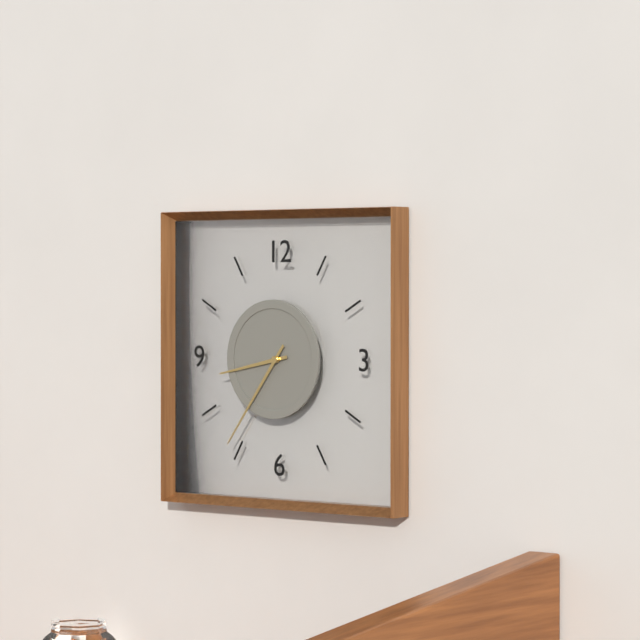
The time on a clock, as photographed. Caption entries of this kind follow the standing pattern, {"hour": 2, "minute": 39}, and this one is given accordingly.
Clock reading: {"hour": 8, "minute": 36}
